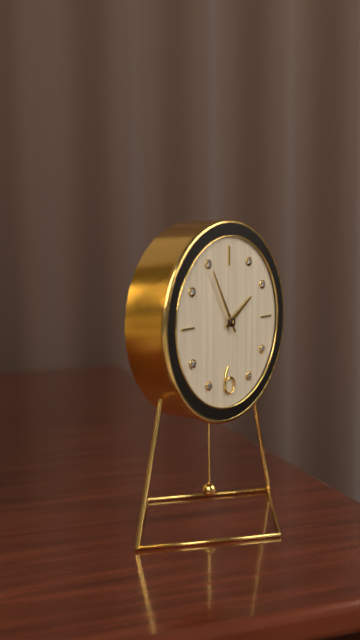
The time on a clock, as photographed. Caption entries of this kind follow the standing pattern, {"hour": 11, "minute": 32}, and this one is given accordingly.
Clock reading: {"hour": 1, "minute": 55}
